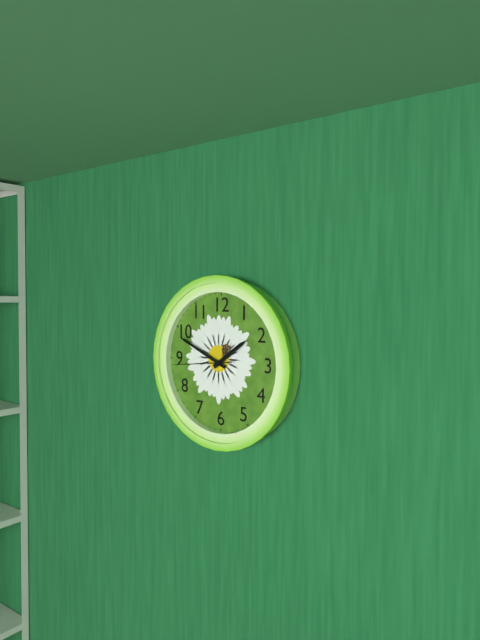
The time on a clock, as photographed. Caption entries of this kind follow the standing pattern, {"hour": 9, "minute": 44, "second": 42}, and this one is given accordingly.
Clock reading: {"hour": 1, "minute": 49, "second": 44}
